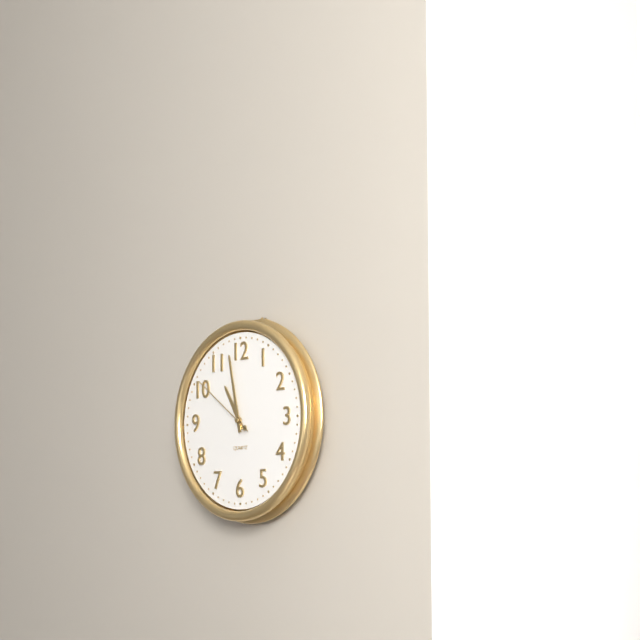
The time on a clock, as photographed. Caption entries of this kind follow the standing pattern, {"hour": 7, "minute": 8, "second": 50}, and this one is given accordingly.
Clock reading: {"hour": 10, "minute": 58, "second": 51}
